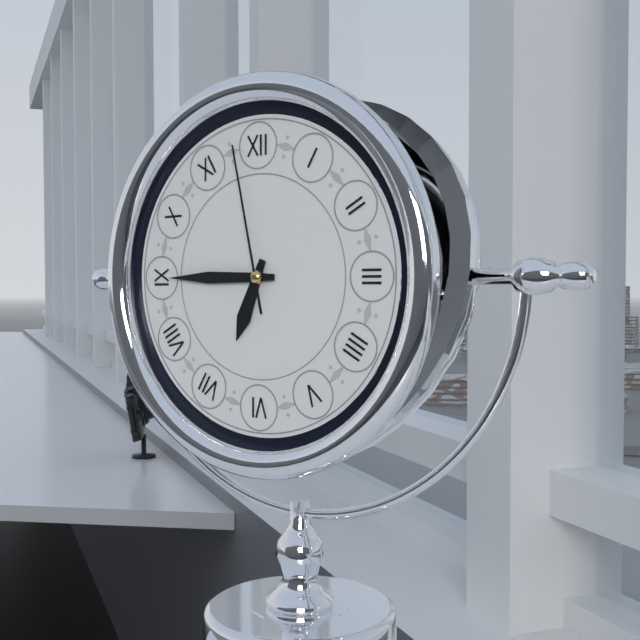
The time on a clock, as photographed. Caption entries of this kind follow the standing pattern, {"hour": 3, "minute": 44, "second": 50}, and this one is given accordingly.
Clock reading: {"hour": 6, "minute": 45, "second": 58}
